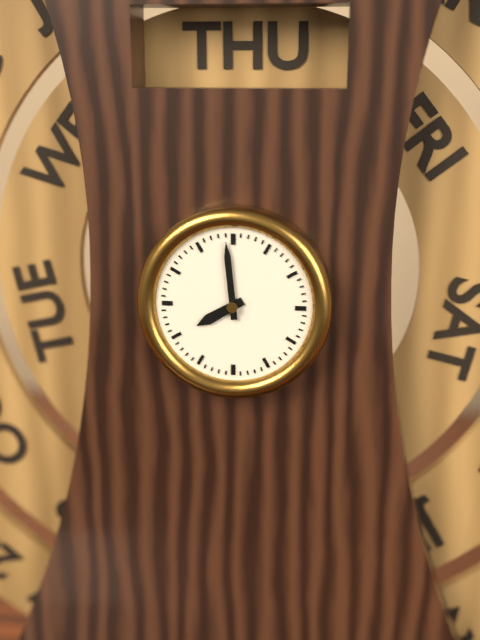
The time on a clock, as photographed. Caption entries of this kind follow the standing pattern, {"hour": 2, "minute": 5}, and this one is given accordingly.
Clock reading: {"hour": 7, "minute": 59}
